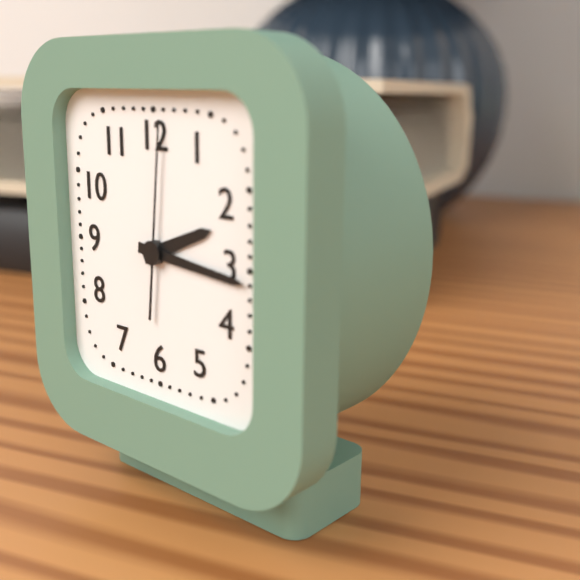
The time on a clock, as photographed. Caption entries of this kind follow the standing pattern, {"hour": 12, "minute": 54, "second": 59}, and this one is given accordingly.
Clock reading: {"hour": 2, "minute": 16, "second": 1}
